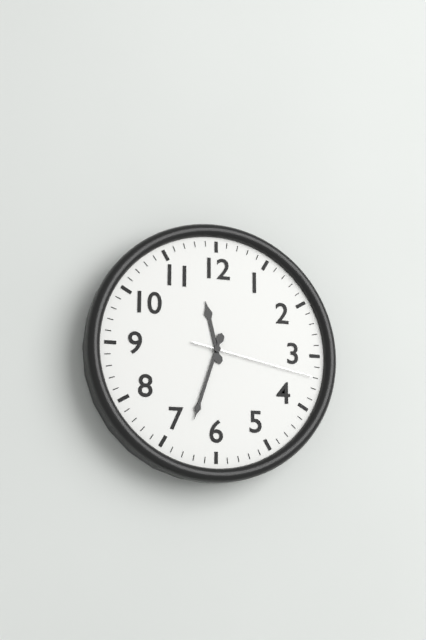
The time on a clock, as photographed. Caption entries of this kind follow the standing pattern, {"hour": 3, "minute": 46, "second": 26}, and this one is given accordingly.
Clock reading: {"hour": 11, "minute": 33, "second": 17}
